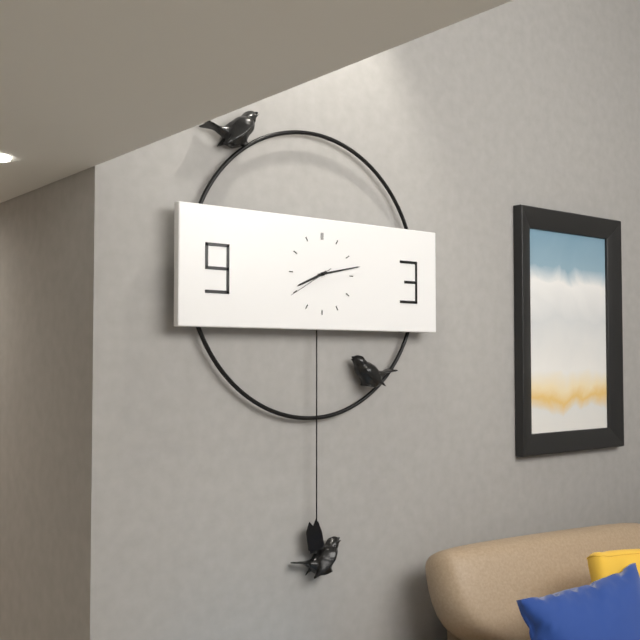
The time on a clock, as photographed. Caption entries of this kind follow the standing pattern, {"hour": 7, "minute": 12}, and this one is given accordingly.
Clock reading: {"hour": 8, "minute": 13}
